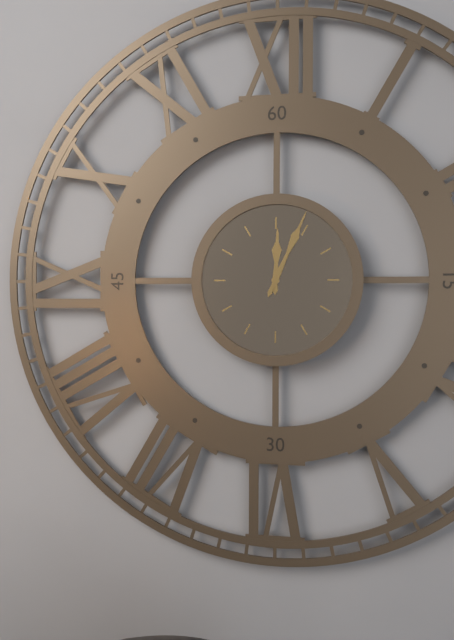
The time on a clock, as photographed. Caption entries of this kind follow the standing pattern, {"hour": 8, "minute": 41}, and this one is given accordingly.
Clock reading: {"hour": 12, "minute": 4}
